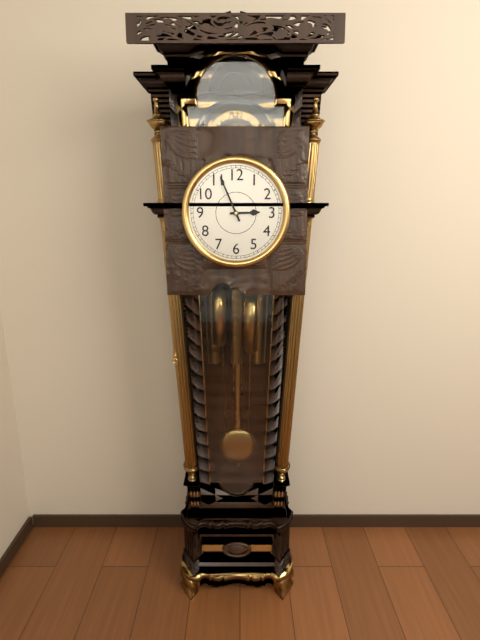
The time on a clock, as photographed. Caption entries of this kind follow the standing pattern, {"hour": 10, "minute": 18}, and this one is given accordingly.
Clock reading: {"hour": 2, "minute": 56}
